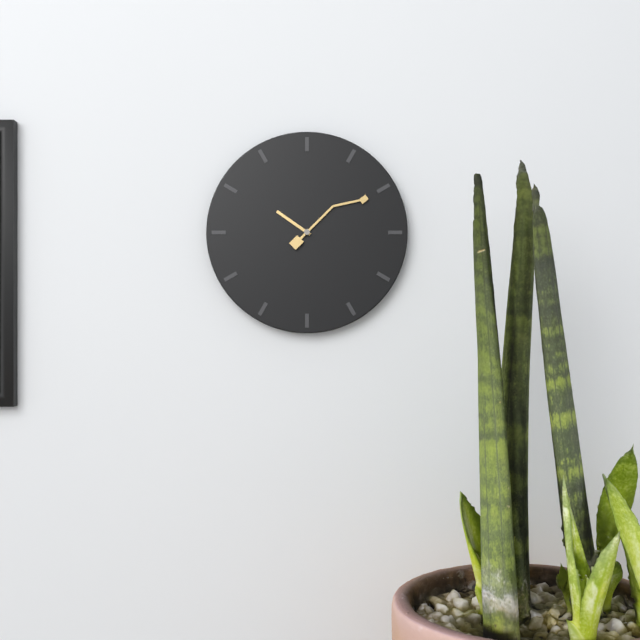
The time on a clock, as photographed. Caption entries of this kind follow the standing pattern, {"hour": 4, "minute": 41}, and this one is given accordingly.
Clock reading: {"hour": 10, "minute": 10}
